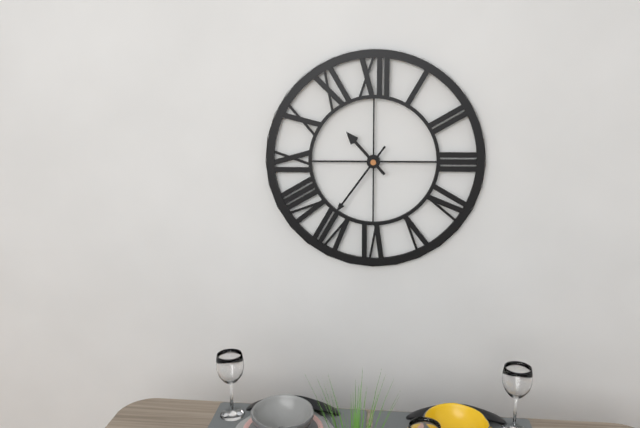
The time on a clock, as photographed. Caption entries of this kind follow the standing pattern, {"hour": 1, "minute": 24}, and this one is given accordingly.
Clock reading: {"hour": 10, "minute": 36}
